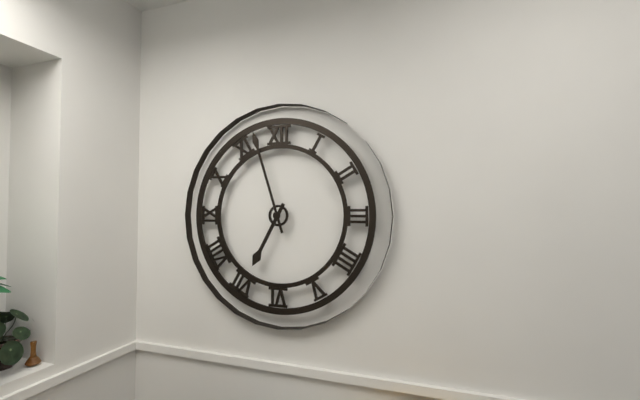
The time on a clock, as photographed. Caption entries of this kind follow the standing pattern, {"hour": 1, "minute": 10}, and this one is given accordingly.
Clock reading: {"hour": 6, "minute": 57}
